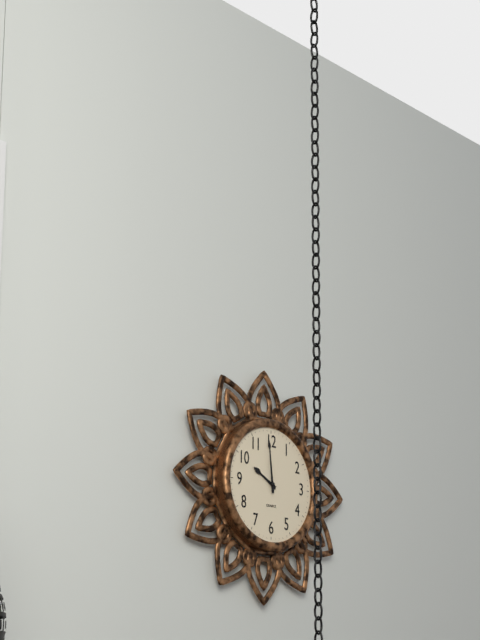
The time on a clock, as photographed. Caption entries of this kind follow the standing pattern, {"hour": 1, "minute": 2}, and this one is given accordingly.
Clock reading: {"hour": 9, "minute": 59}
